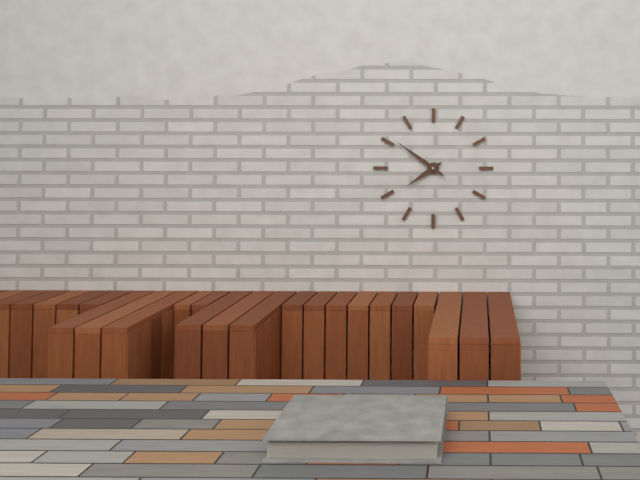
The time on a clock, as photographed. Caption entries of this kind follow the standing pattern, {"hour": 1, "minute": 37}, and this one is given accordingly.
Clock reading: {"hour": 7, "minute": 51}
